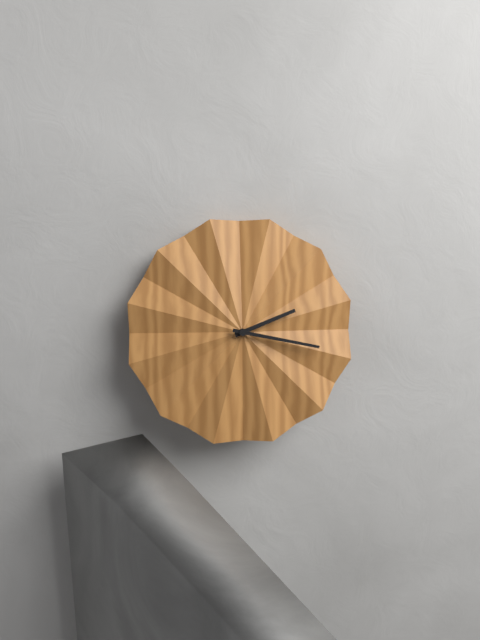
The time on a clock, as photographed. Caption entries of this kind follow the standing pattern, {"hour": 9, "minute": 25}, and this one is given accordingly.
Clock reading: {"hour": 2, "minute": 17}
